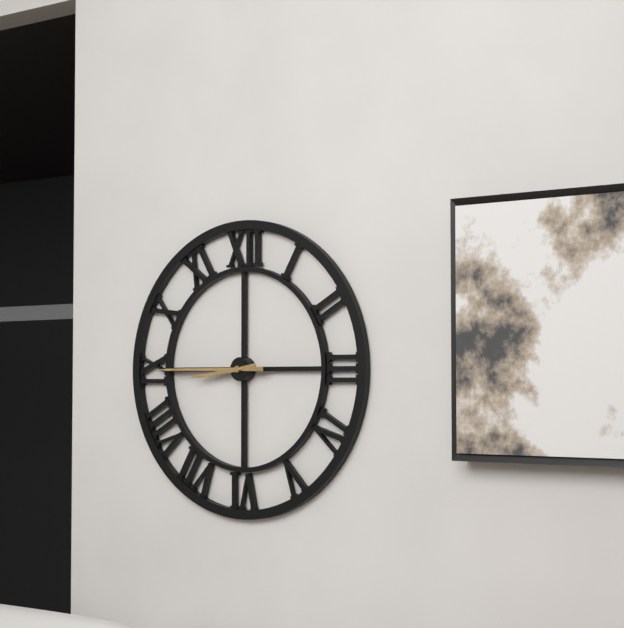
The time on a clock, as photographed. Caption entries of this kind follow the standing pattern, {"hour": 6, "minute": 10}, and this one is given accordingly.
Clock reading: {"hour": 8, "minute": 45}
